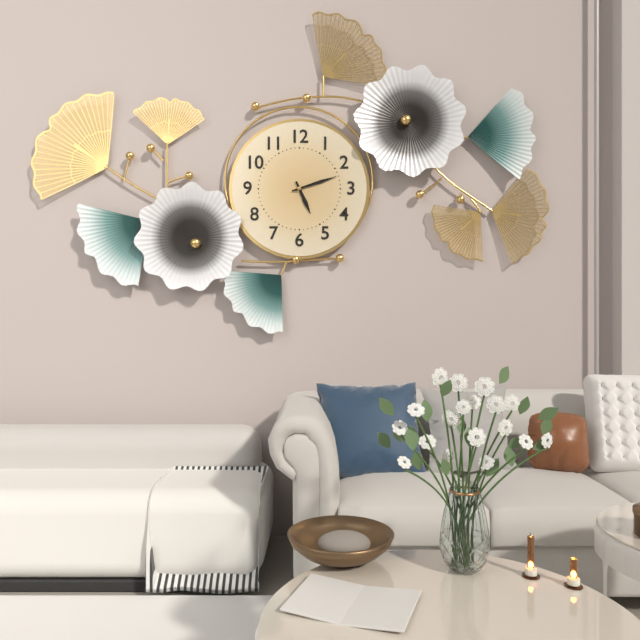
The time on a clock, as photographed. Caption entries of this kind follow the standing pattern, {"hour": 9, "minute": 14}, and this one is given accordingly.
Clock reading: {"hour": 5, "minute": 12}
